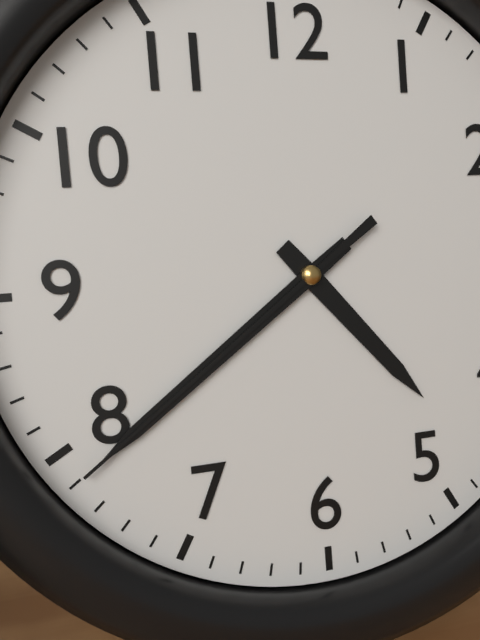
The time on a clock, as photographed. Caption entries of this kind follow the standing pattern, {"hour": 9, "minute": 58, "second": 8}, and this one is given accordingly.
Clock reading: {"hour": 4, "minute": 39, "second": 39}
